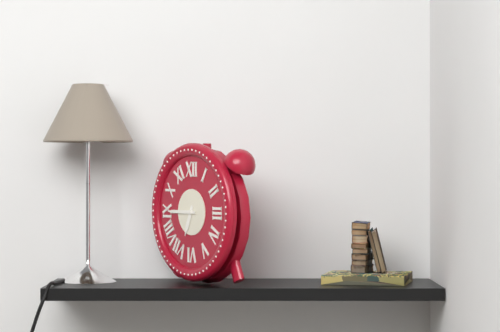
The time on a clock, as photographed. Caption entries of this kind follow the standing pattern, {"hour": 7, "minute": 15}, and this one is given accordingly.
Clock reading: {"hour": 6, "minute": 45}
